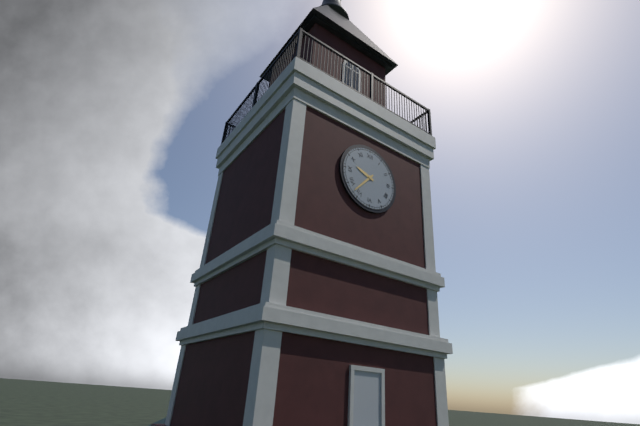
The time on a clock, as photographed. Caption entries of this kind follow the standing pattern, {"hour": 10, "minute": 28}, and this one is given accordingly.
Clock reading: {"hour": 9, "minute": 37}
